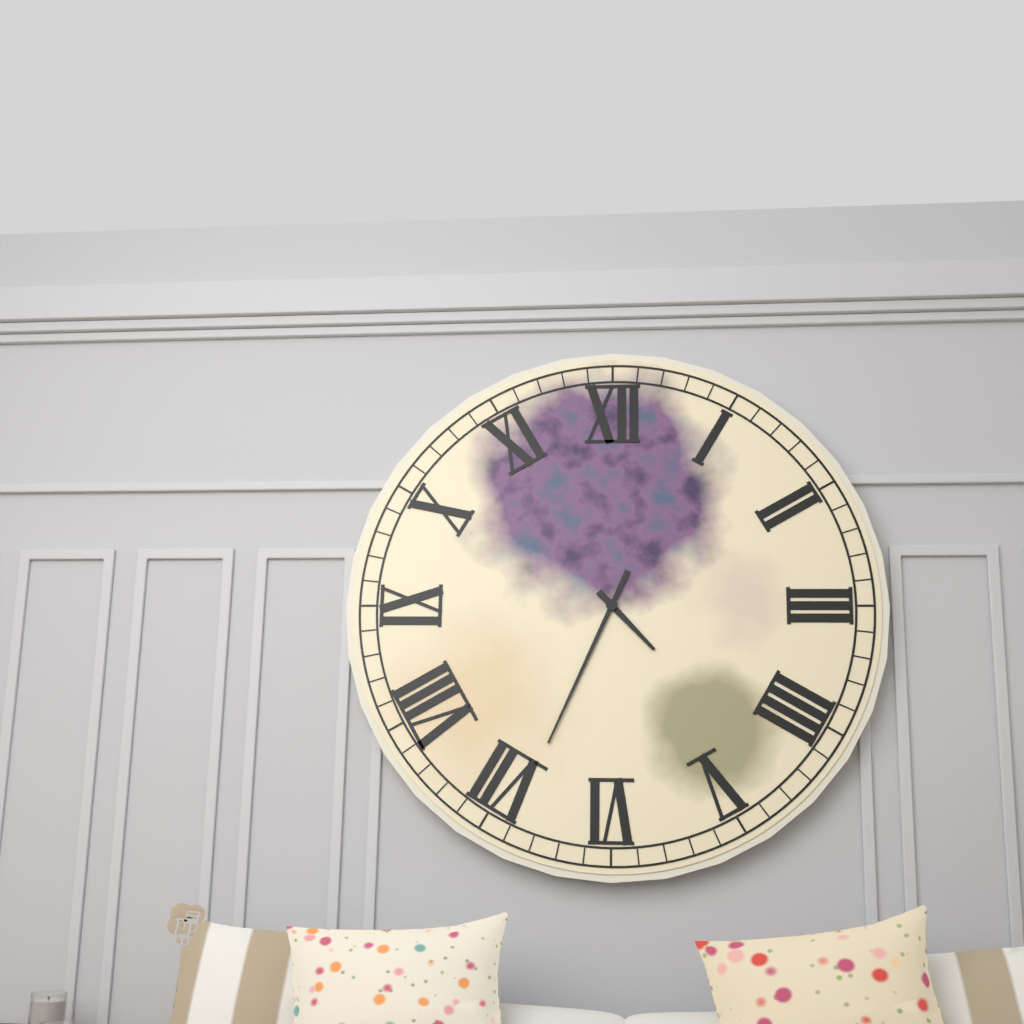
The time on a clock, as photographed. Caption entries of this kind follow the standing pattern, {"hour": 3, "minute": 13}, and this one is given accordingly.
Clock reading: {"hour": 4, "minute": 34}
